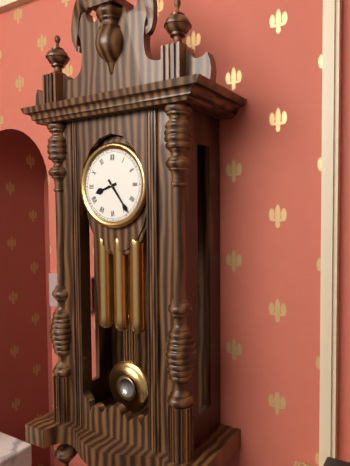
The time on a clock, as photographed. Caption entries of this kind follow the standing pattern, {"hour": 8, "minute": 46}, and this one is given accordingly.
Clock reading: {"hour": 8, "minute": 24}
